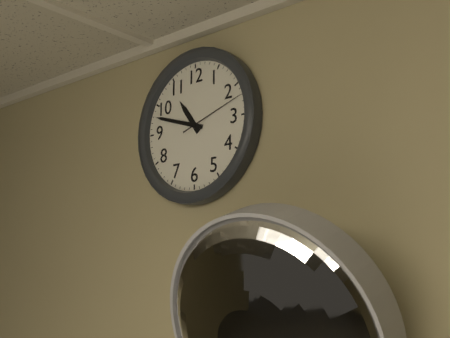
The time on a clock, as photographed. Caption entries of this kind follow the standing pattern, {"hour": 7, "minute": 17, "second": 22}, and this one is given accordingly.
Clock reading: {"hour": 10, "minute": 48, "second": 12}
